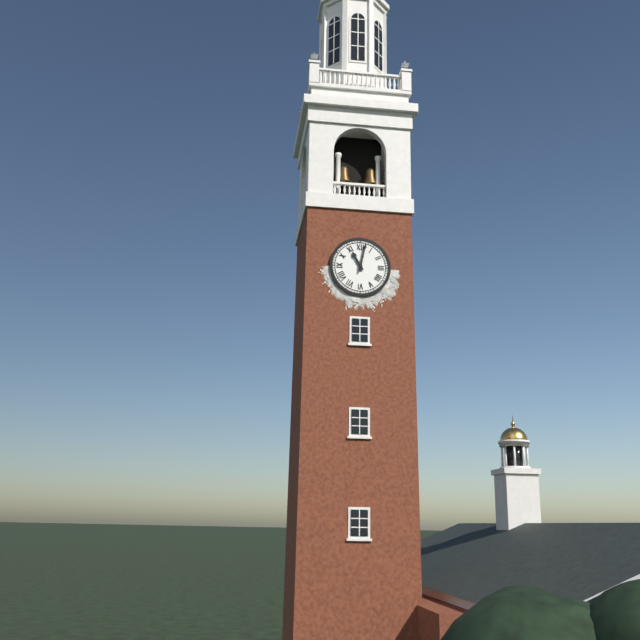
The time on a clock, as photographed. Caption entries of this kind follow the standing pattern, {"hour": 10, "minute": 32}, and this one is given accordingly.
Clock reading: {"hour": 11, "minute": 2}
